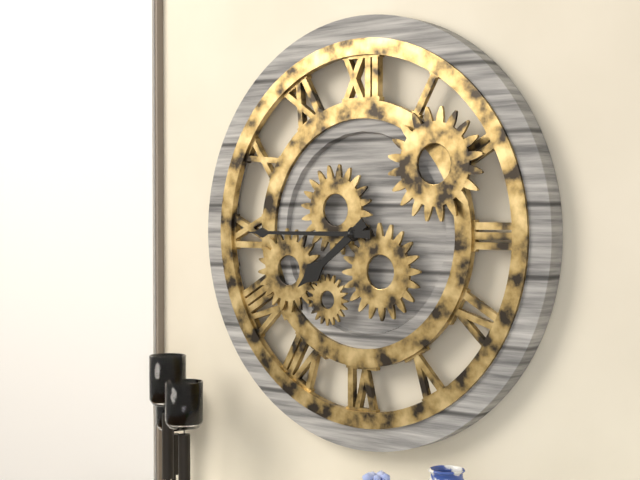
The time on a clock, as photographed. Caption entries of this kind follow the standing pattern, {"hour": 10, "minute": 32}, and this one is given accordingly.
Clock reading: {"hour": 7, "minute": 45}
